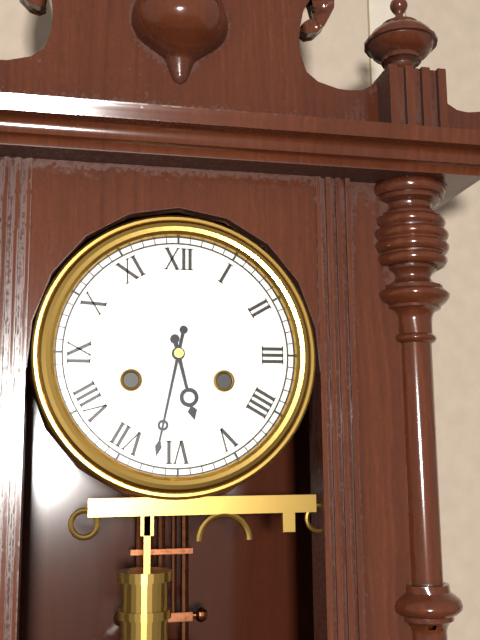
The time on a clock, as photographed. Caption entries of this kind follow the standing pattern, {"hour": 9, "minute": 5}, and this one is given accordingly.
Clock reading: {"hour": 5, "minute": 32}
